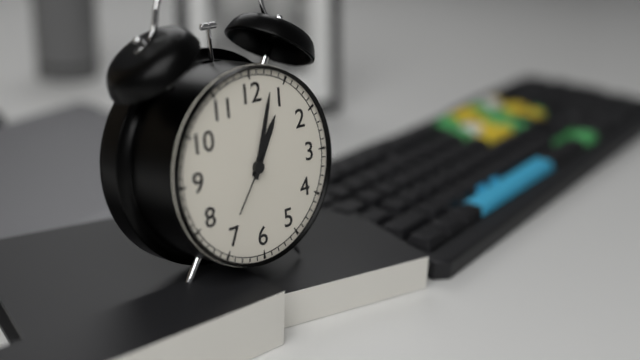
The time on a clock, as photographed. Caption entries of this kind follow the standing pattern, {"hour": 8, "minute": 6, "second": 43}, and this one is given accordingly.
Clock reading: {"hour": 1, "minute": 3, "second": 36}
